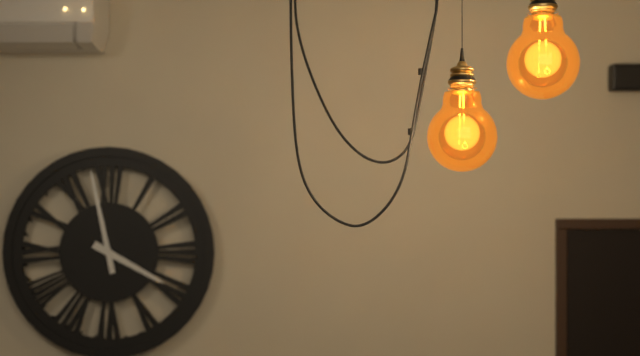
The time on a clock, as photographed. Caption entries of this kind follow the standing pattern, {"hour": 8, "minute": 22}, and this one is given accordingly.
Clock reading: {"hour": 3, "minute": 58}
